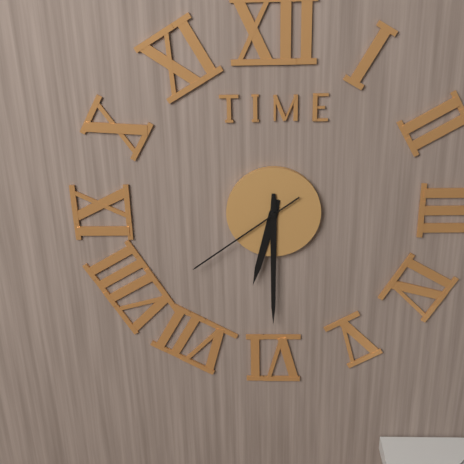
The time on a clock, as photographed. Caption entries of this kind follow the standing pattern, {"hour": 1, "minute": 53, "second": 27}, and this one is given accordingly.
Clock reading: {"hour": 6, "minute": 30, "second": 39}
